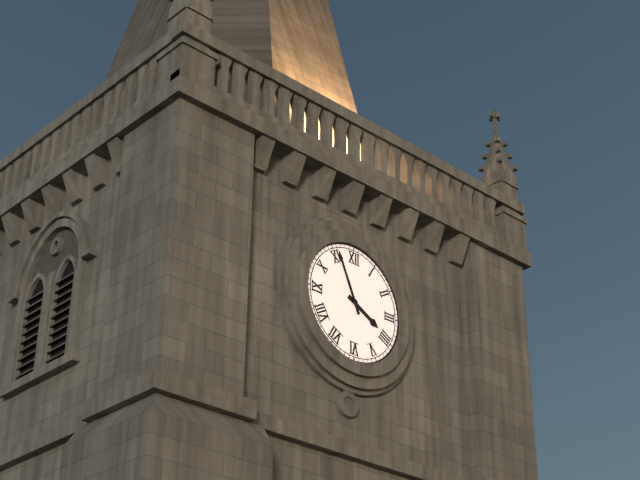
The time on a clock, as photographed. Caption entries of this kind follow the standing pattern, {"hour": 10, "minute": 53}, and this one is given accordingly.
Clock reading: {"hour": 3, "minute": 56}
